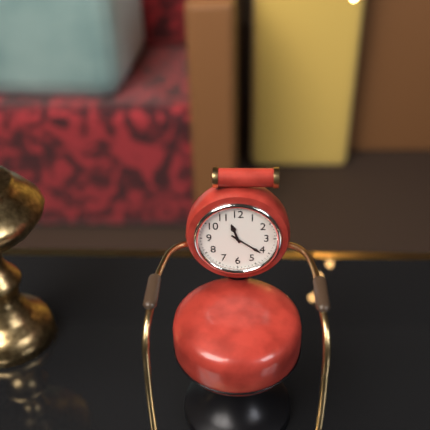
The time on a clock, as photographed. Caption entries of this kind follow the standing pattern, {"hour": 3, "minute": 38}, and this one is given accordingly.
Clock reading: {"hour": 11, "minute": 21}
